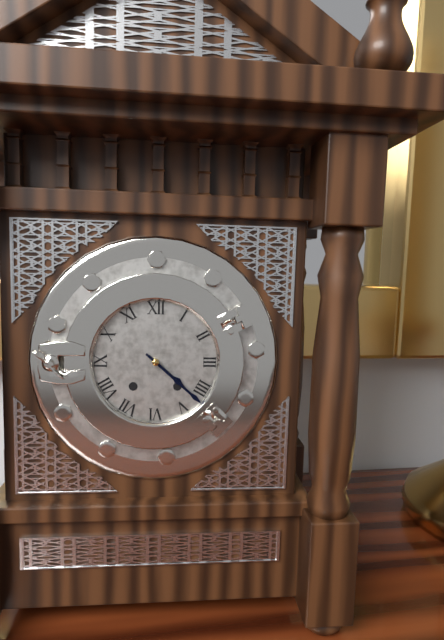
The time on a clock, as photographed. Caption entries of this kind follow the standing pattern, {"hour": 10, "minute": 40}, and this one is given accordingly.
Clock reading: {"hour": 4, "minute": 22}
